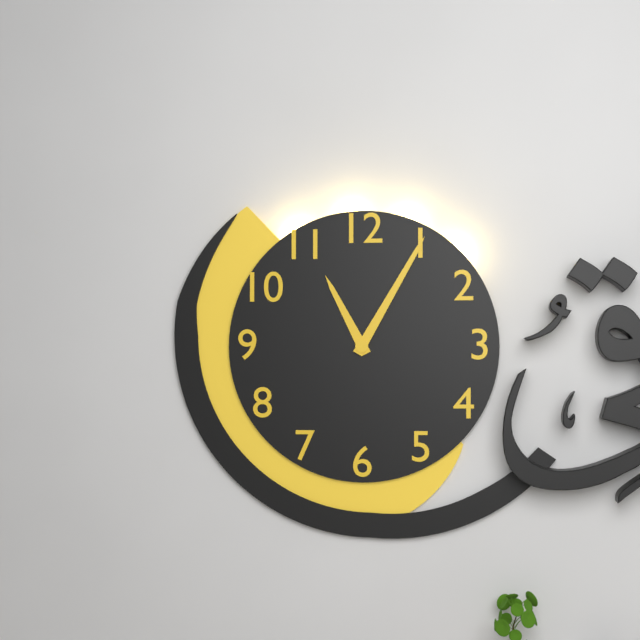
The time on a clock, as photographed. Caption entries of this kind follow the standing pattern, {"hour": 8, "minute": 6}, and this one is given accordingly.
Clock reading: {"hour": 11, "minute": 5}
